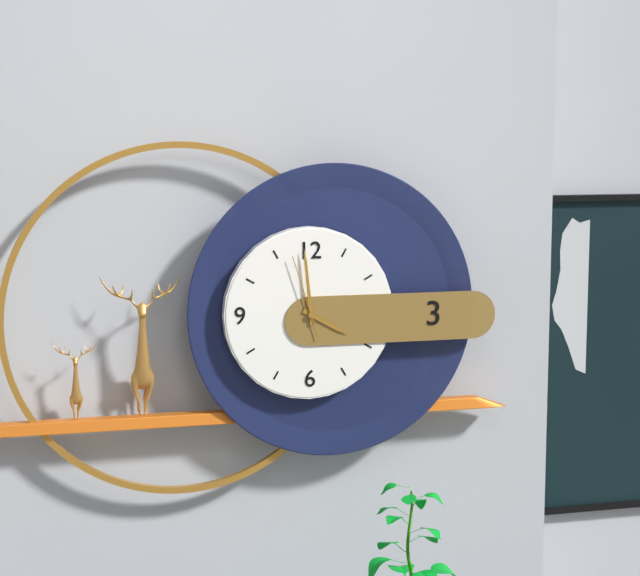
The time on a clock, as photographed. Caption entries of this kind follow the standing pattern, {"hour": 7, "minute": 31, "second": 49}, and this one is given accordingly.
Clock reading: {"hour": 3, "minute": 59, "second": 57}
